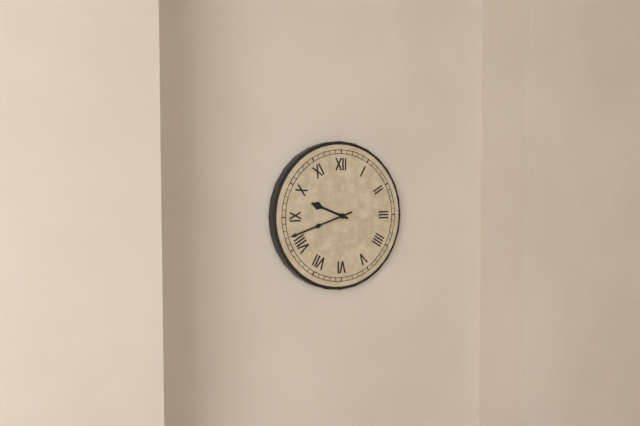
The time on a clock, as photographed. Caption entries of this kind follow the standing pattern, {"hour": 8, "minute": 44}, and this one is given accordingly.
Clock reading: {"hour": 9, "minute": 42}
